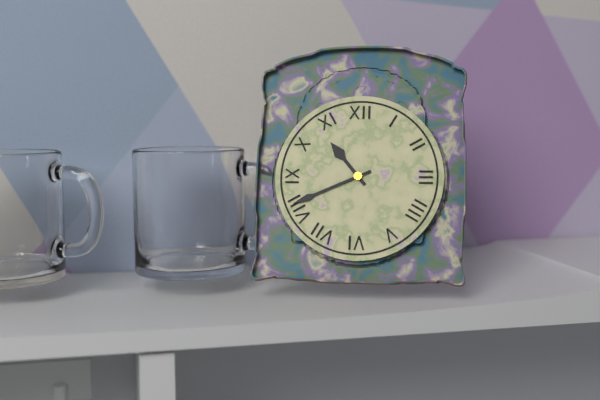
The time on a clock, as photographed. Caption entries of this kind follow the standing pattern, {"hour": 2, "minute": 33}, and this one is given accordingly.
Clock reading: {"hour": 10, "minute": 41}
